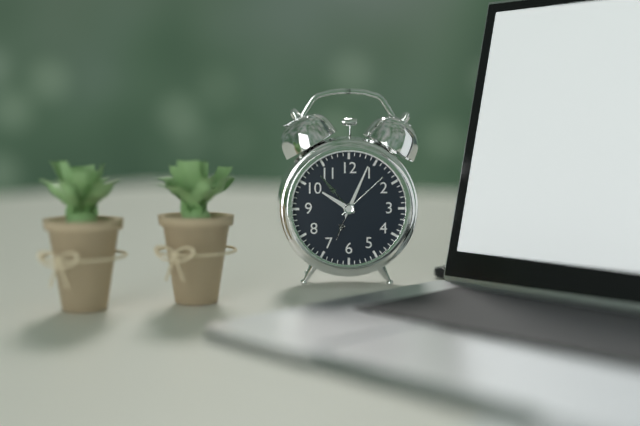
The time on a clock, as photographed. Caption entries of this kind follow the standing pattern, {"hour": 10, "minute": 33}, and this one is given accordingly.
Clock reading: {"hour": 10, "minute": 4}
